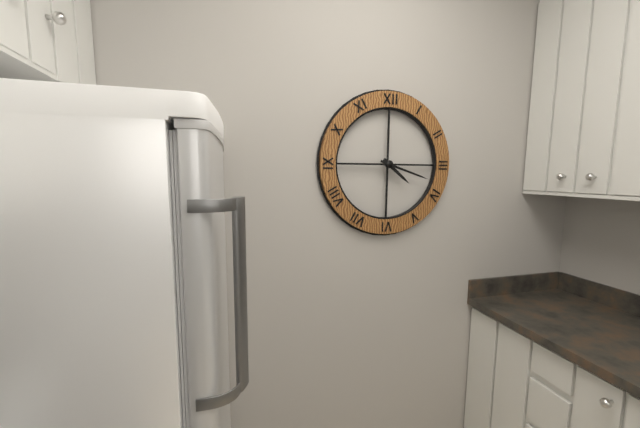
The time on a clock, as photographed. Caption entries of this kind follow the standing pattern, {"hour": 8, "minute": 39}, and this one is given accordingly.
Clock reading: {"hour": 4, "minute": 18}
